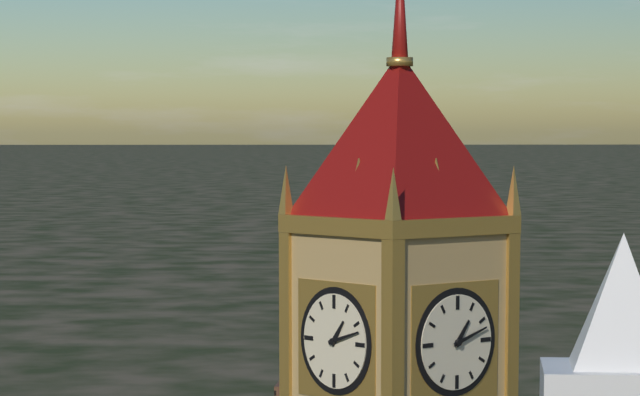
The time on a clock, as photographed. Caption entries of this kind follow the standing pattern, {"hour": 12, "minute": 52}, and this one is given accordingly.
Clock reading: {"hour": 1, "minute": 12}
